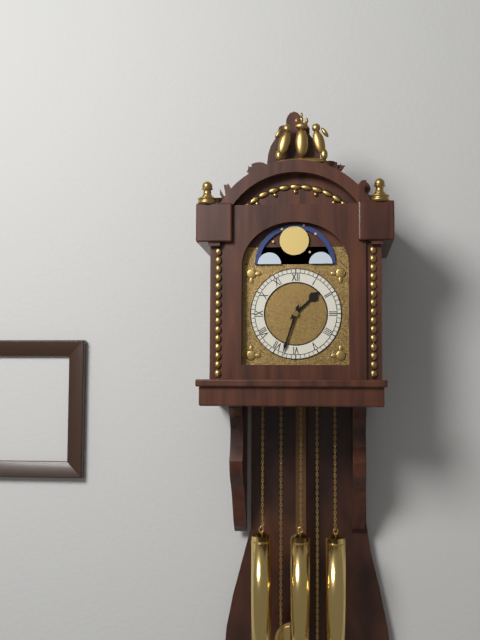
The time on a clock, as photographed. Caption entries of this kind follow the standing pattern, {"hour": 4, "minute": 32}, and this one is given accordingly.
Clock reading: {"hour": 1, "minute": 33}
